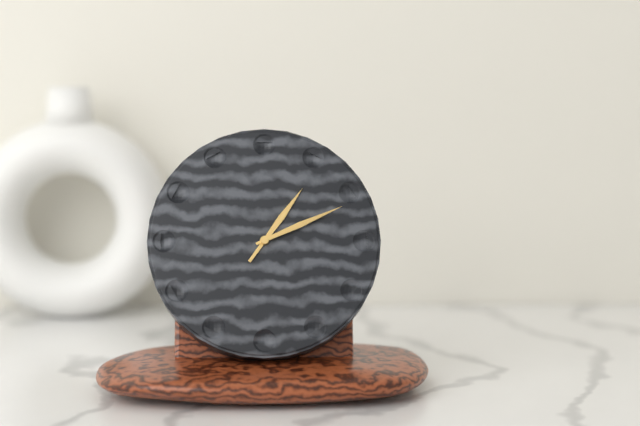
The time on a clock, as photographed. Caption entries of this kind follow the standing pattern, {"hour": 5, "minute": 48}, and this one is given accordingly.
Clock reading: {"hour": 1, "minute": 11}
